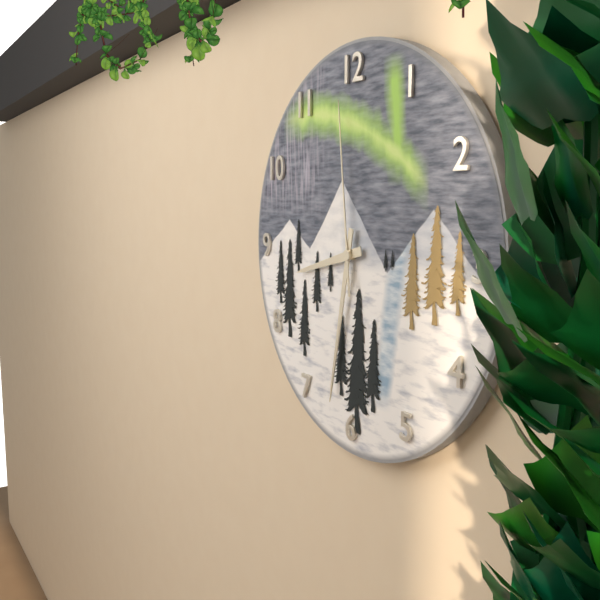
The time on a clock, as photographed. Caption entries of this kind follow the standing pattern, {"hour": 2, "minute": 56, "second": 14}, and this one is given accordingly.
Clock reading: {"hour": 8, "minute": 32, "second": 59}
